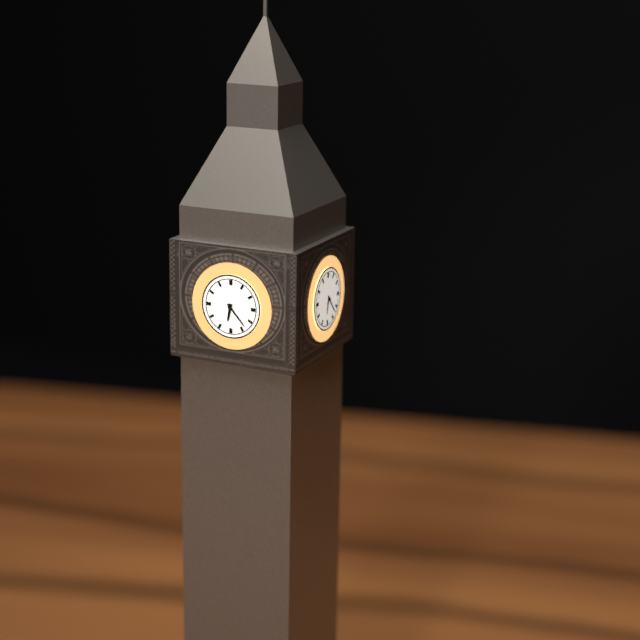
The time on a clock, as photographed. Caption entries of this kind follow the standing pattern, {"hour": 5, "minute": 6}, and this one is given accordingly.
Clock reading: {"hour": 6, "minute": 23}
